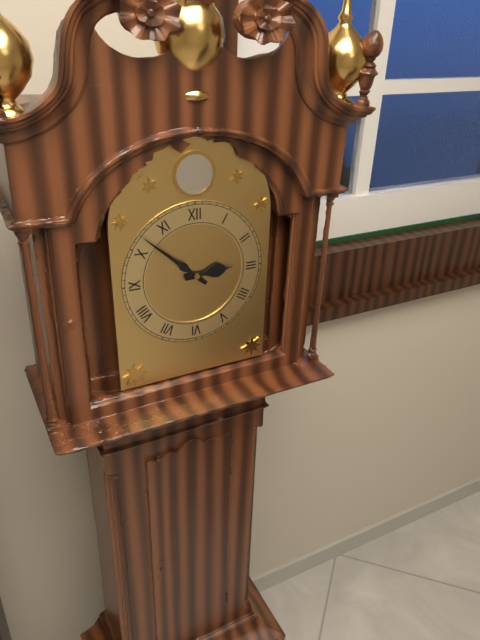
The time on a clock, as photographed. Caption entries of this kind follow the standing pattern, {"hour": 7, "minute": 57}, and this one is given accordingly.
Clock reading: {"hour": 2, "minute": 52}
